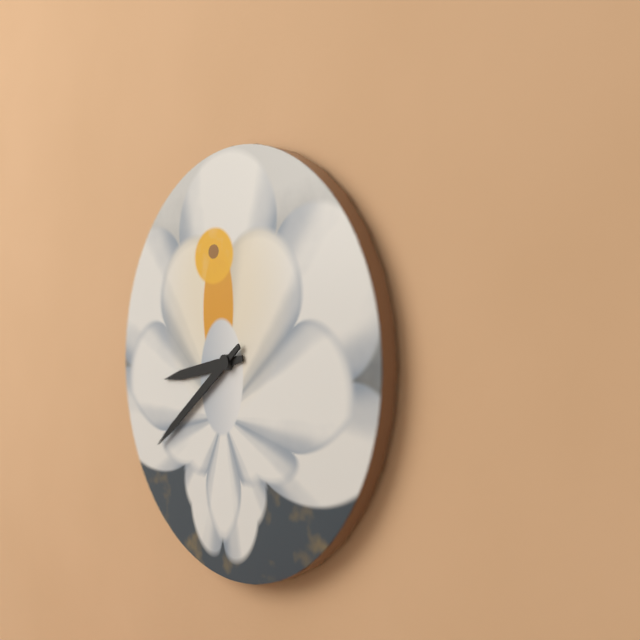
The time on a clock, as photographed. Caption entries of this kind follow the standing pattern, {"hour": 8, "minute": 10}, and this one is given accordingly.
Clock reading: {"hour": 8, "minute": 39}
